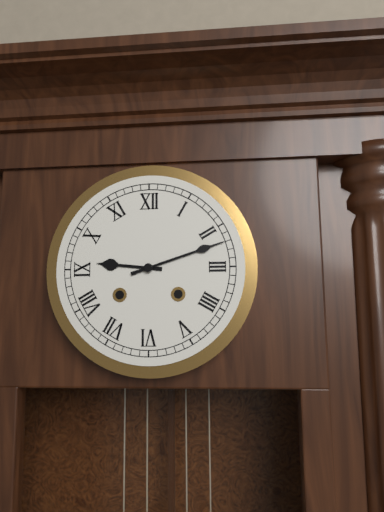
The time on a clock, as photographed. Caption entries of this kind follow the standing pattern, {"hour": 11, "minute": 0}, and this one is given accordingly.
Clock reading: {"hour": 9, "minute": 12}
